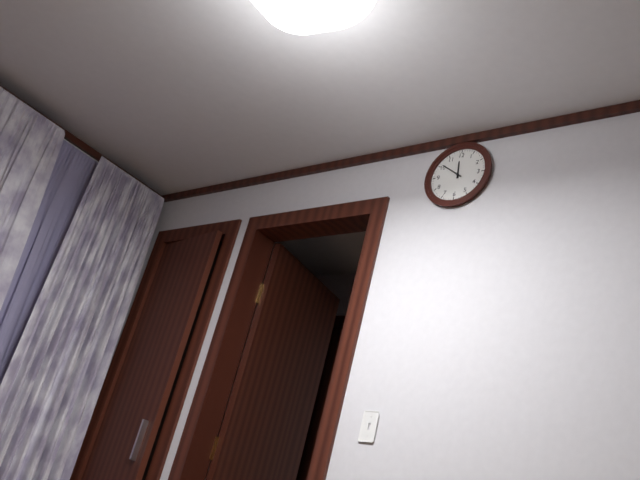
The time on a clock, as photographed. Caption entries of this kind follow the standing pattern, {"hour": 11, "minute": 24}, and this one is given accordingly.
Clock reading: {"hour": 11, "minute": 51}
